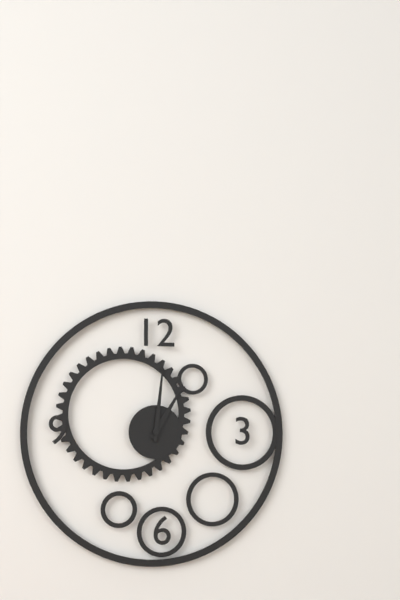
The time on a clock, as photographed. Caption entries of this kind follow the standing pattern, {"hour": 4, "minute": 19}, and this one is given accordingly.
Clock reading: {"hour": 1, "minute": 1}
